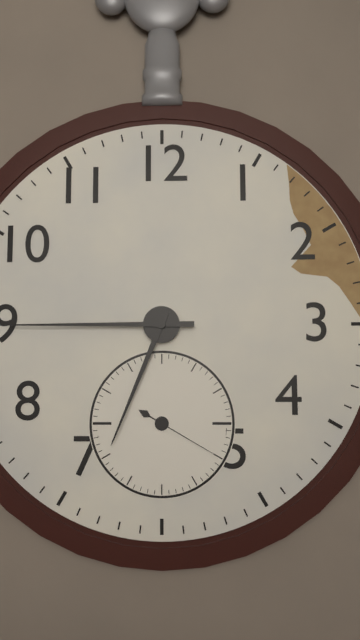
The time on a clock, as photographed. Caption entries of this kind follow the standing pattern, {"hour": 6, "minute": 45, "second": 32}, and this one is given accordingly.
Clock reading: {"hour": 6, "minute": 45, "second": 20}
